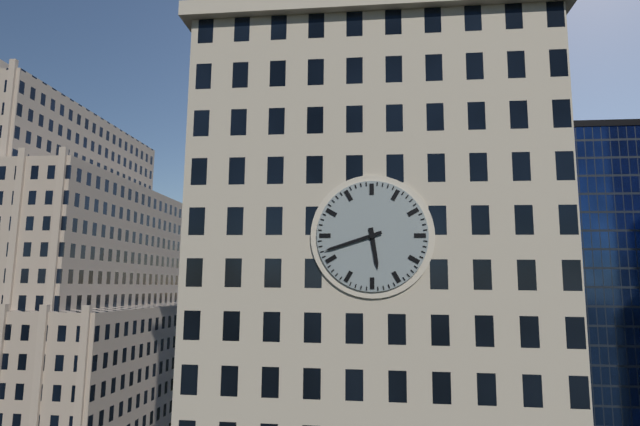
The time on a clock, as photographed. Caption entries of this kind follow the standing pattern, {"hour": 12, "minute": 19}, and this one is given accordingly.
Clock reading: {"hour": 5, "minute": 42}
